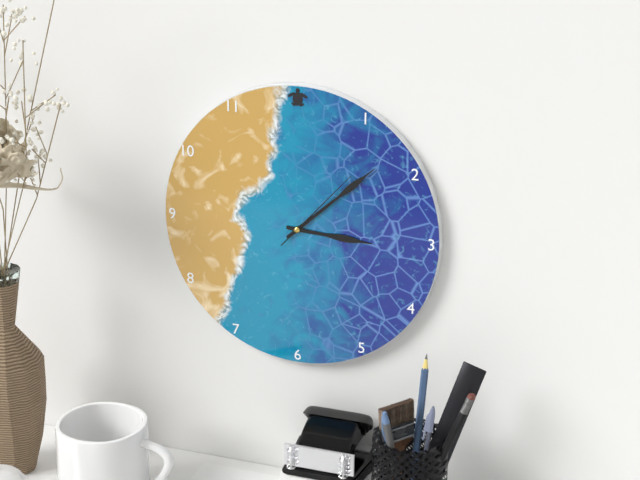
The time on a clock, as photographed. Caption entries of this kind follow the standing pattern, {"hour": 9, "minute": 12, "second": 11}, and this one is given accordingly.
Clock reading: {"hour": 3, "minute": 8, "second": 7}
